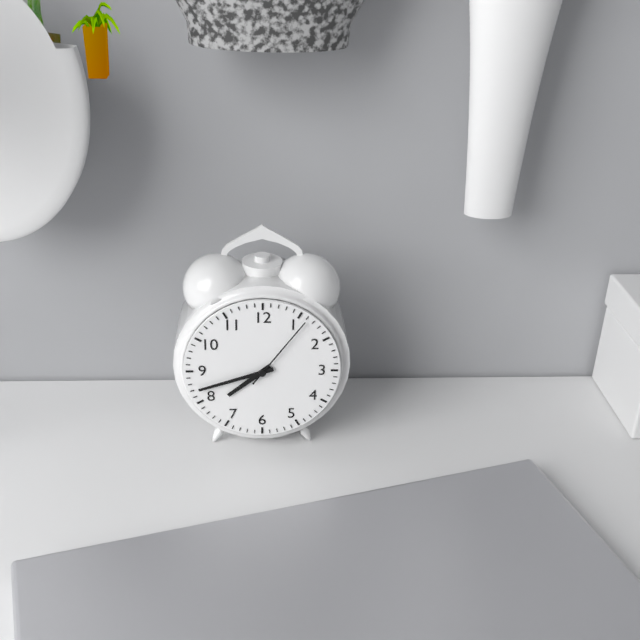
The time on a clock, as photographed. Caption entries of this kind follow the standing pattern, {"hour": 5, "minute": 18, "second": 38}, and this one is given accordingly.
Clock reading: {"hour": 7, "minute": 42, "second": 6}
